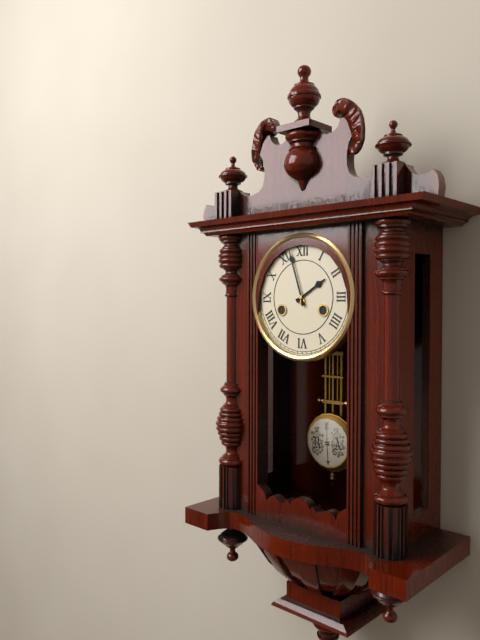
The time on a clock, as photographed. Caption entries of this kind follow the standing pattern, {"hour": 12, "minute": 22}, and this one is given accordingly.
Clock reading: {"hour": 1, "minute": 57}
